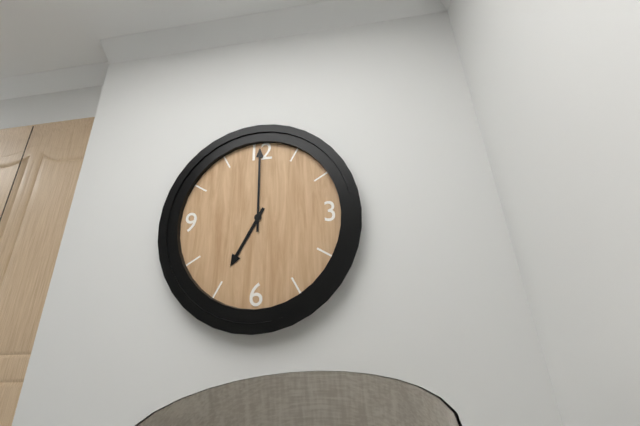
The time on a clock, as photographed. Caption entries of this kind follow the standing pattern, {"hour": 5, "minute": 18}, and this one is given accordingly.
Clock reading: {"hour": 7, "minute": 0}
